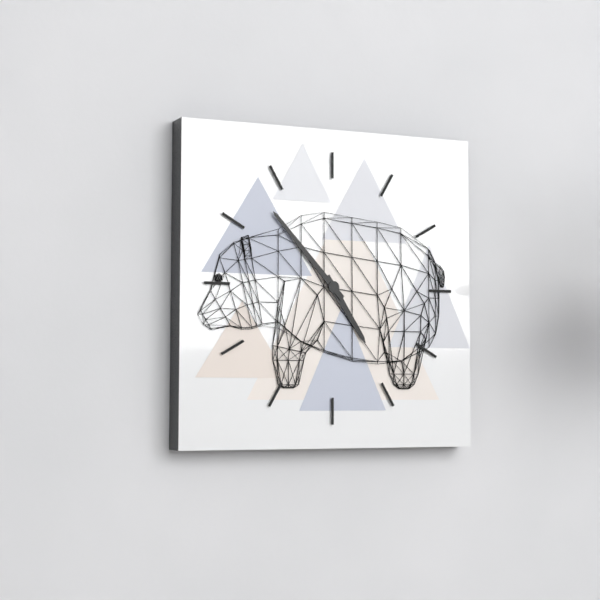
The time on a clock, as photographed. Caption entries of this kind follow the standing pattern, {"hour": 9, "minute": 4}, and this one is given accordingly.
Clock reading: {"hour": 4, "minute": 53}
